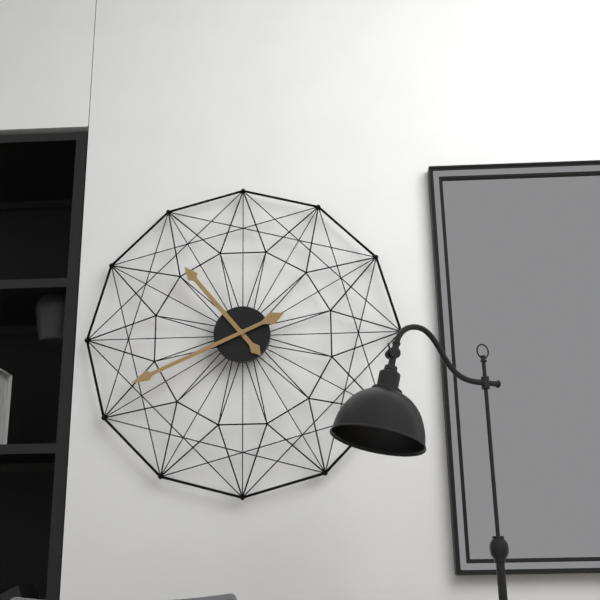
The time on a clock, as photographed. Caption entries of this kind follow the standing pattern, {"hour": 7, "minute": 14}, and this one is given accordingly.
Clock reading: {"hour": 10, "minute": 41}
